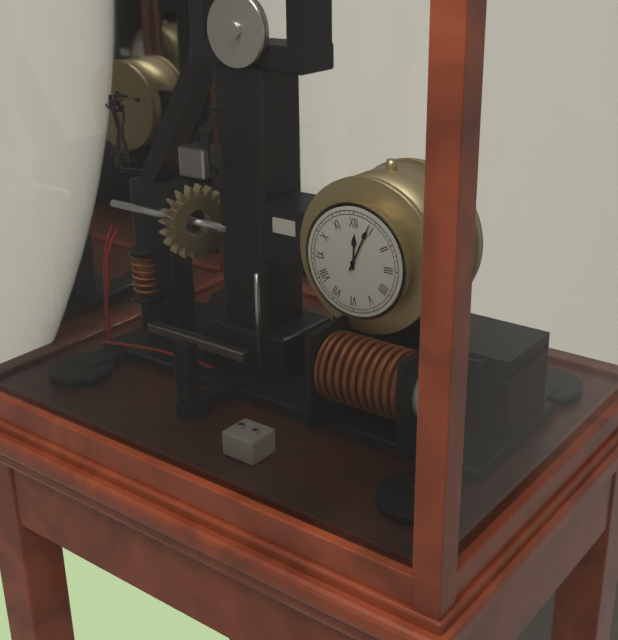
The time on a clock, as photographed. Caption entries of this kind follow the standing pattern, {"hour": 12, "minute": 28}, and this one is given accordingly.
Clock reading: {"hour": 12, "minute": 4}
